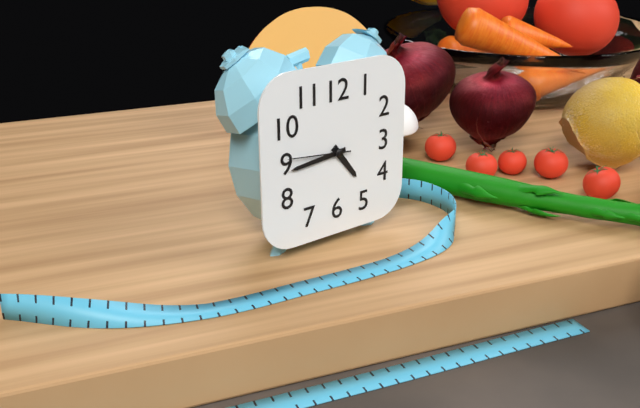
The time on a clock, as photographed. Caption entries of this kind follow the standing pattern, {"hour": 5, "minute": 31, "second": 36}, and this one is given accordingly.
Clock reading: {"hour": 4, "minute": 44, "second": 46}
